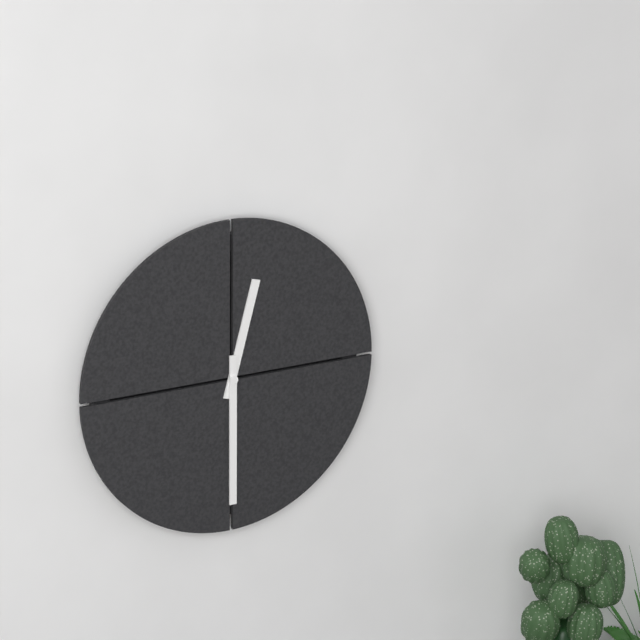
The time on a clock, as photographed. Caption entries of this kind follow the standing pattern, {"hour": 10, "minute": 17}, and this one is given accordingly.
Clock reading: {"hour": 12, "minute": 30}
